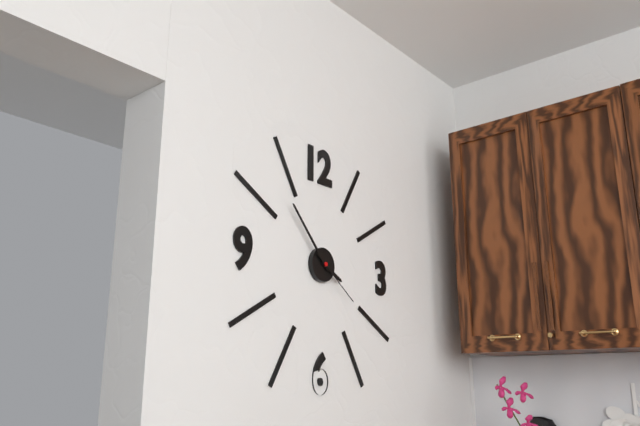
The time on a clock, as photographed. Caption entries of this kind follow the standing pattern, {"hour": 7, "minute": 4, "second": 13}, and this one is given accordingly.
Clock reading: {"hour": 3, "minute": 53, "second": 21}
